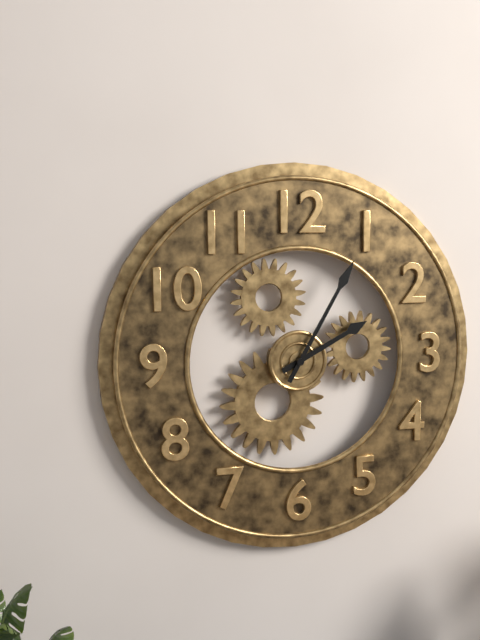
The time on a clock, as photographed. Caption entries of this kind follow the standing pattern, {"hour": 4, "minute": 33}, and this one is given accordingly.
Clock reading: {"hour": 2, "minute": 5}
